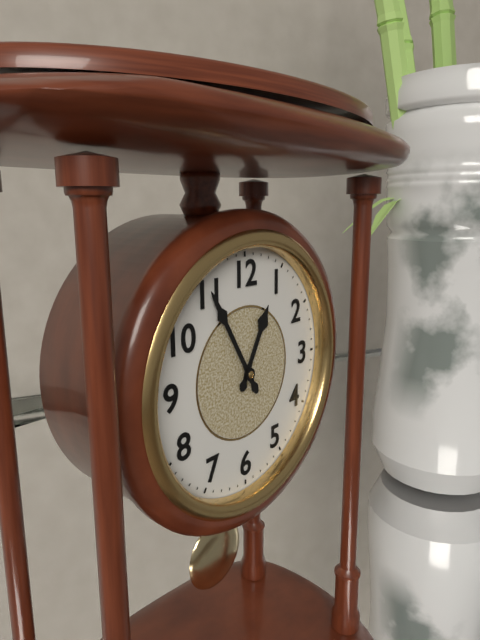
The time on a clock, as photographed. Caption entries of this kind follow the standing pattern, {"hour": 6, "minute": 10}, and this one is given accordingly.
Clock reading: {"hour": 12, "minute": 55}
